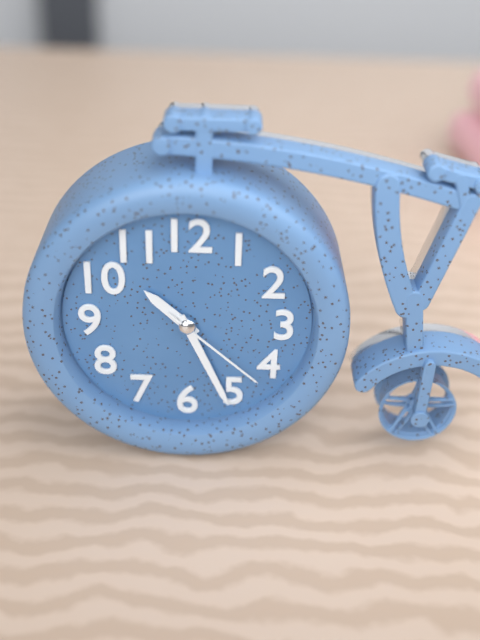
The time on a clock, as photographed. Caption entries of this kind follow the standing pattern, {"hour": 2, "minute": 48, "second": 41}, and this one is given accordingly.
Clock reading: {"hour": 10, "minute": 26, "second": 22}
